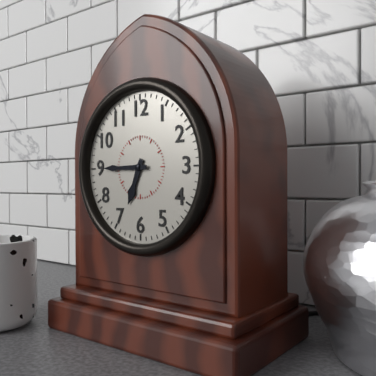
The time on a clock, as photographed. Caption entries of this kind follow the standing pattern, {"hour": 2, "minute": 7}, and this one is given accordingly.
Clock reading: {"hour": 6, "minute": 45}
